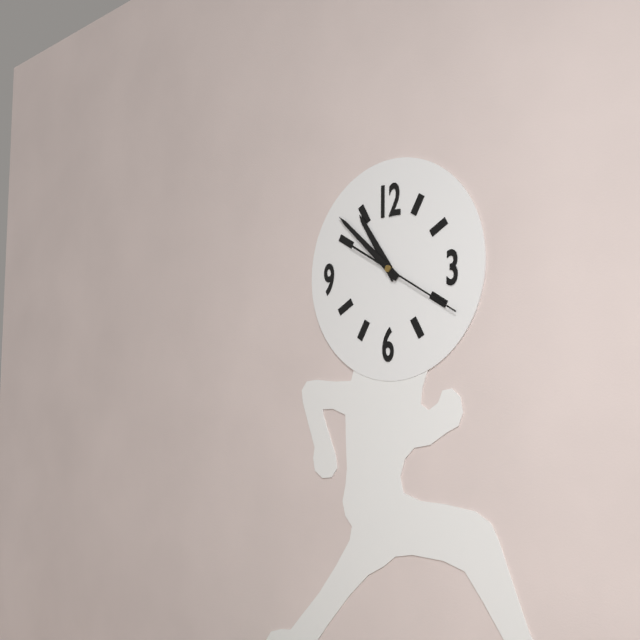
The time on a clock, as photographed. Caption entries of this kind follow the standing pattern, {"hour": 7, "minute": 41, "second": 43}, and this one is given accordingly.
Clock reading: {"hour": 10, "minute": 52, "second": 20}
